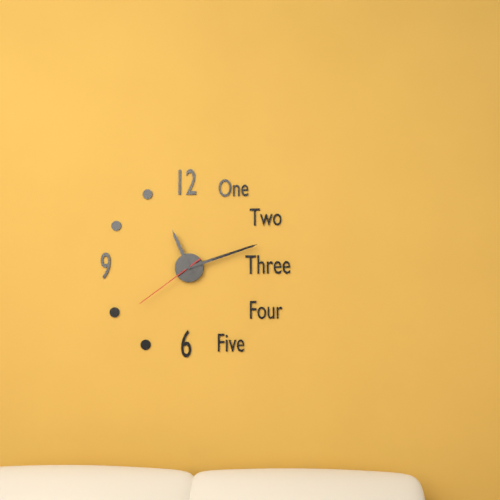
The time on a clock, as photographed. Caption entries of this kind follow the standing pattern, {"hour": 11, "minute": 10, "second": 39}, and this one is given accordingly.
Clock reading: {"hour": 11, "minute": 12, "second": 39}
